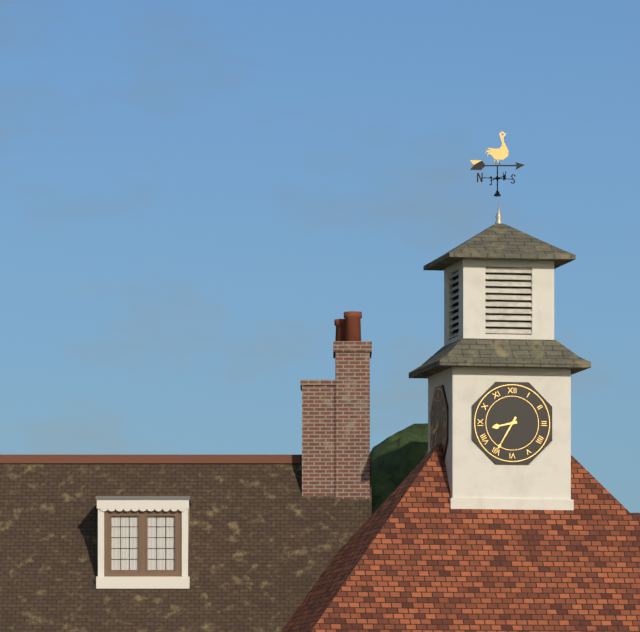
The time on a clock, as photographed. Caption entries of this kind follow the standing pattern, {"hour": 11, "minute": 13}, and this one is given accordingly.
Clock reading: {"hour": 8, "minute": 35}
